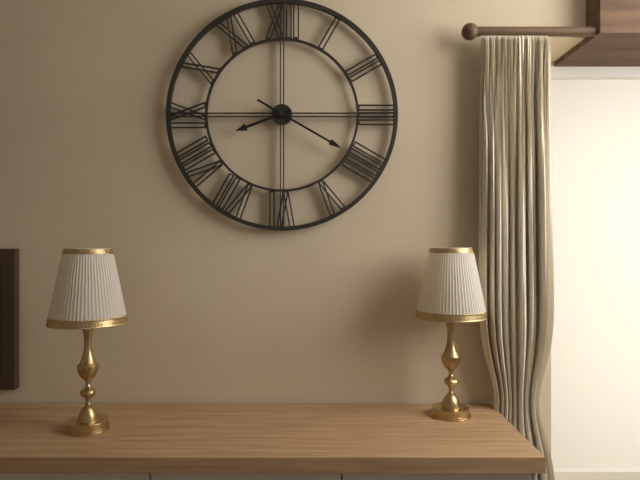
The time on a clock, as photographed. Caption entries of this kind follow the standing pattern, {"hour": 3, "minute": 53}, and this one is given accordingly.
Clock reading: {"hour": 8, "minute": 20}
